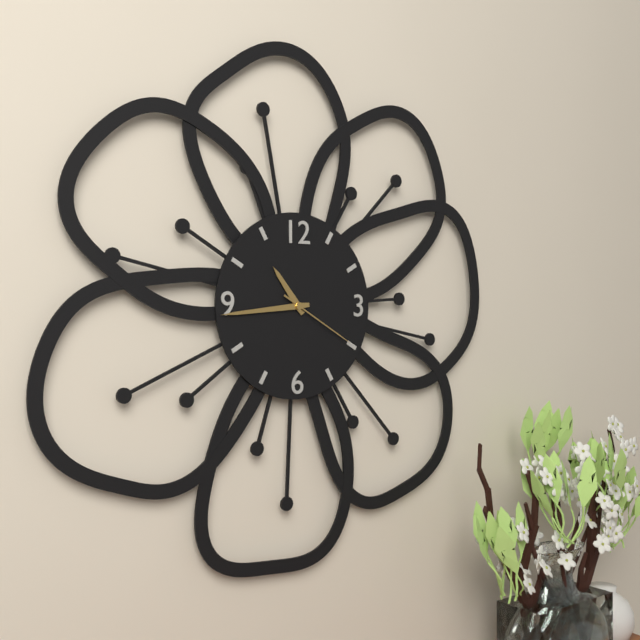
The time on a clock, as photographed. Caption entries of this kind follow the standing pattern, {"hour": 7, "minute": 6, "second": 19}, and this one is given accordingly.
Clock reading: {"hour": 10, "minute": 44, "second": 20}
